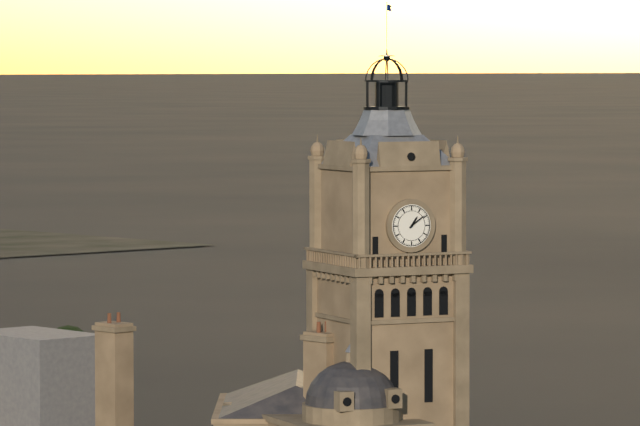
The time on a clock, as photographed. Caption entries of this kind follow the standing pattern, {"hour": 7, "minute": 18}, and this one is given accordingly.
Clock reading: {"hour": 1, "minute": 9}
